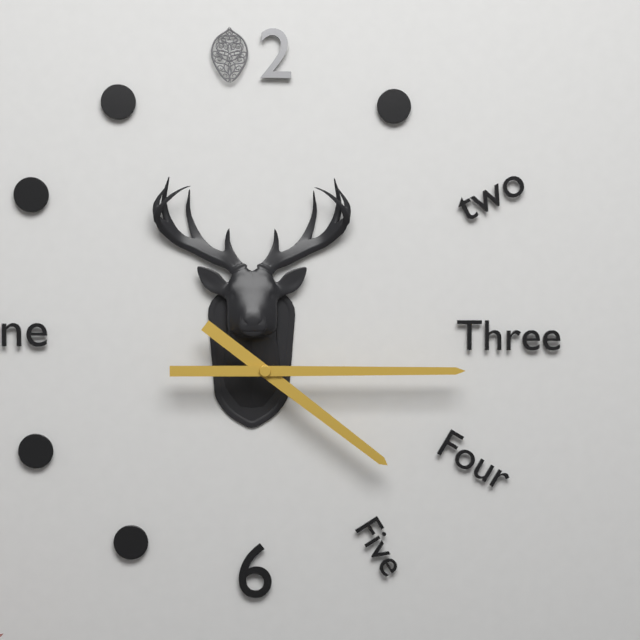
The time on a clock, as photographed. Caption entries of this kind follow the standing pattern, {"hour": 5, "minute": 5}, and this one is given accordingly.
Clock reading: {"hour": 4, "minute": 15}
